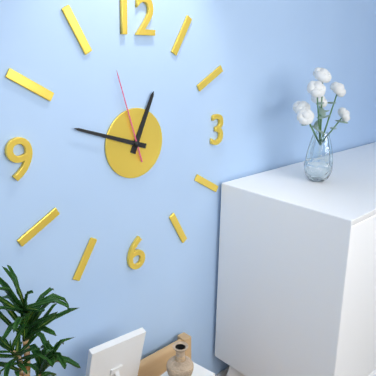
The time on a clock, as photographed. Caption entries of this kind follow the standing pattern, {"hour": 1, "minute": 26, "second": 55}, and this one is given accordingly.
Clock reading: {"hour": 12, "minute": 48, "second": 57}
